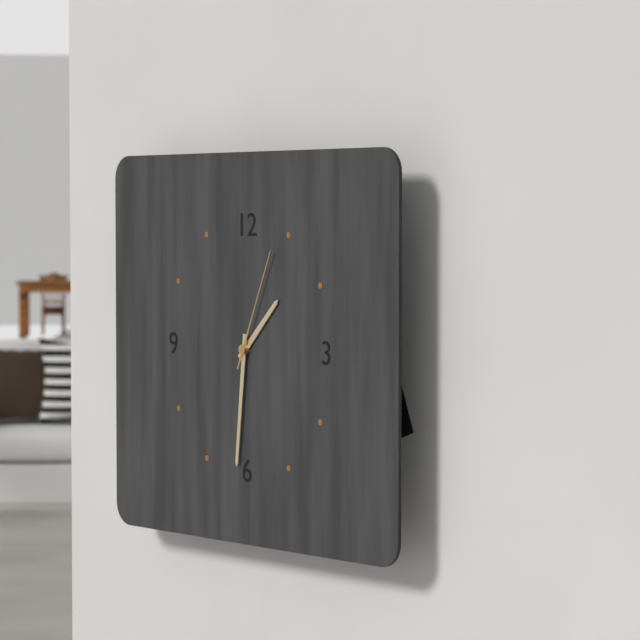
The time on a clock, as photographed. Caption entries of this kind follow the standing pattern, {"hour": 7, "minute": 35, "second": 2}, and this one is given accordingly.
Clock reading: {"hour": 1, "minute": 31, "second": 4}
